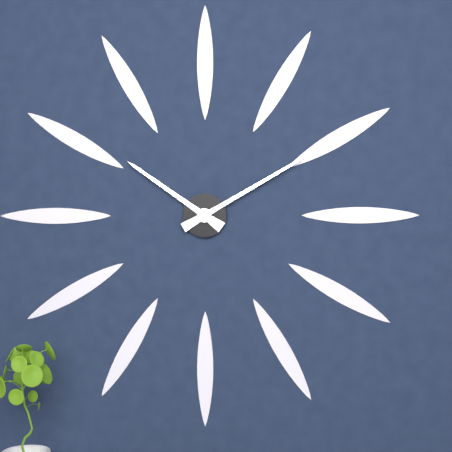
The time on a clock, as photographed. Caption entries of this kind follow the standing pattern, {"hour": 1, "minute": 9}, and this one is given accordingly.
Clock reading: {"hour": 10, "minute": 10}
